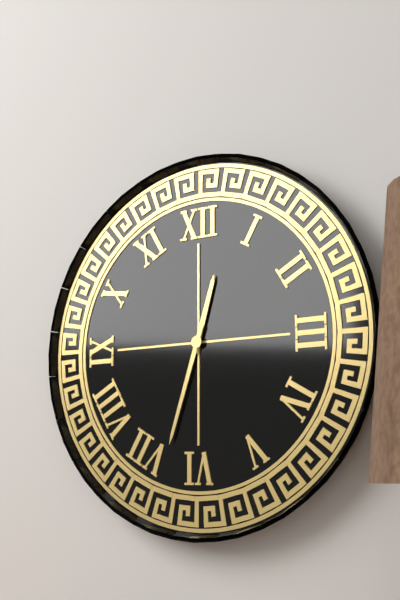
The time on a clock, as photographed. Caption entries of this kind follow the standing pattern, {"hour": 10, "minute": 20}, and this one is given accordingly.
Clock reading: {"hour": 12, "minute": 33}
